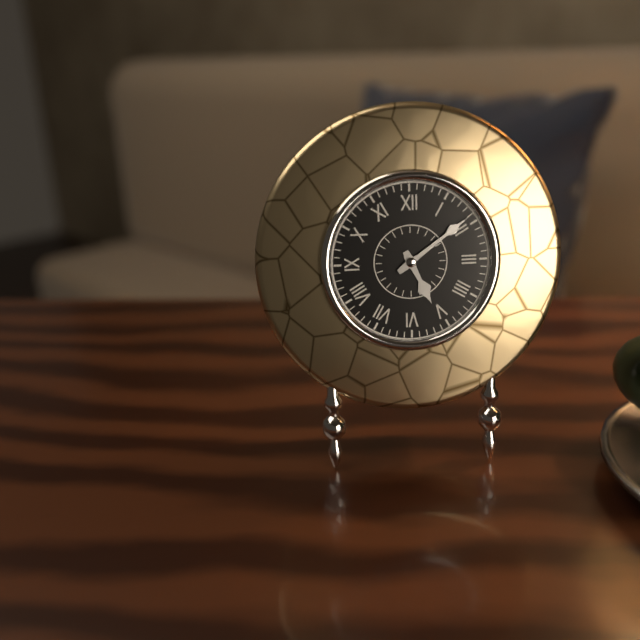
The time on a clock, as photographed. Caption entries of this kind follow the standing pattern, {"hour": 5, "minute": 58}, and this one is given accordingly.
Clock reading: {"hour": 5, "minute": 9}
